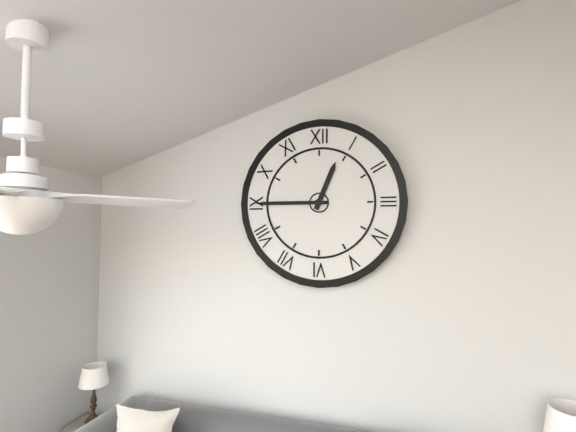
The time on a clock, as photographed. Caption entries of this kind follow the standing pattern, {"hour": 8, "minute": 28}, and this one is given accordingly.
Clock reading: {"hour": 12, "minute": 45}
